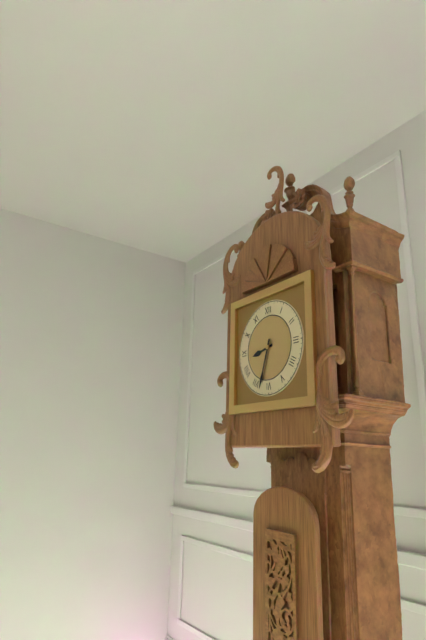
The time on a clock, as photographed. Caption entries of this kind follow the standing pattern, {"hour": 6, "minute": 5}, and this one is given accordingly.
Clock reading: {"hour": 8, "minute": 33}
